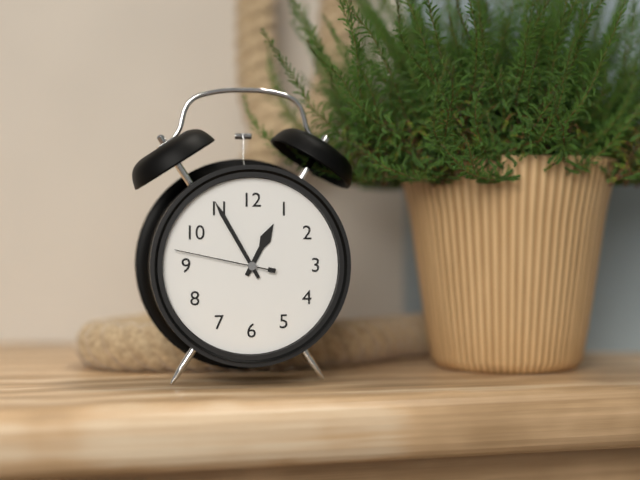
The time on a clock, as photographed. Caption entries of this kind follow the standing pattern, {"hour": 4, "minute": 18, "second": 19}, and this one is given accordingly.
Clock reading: {"hour": 12, "minute": 55, "second": 47}
